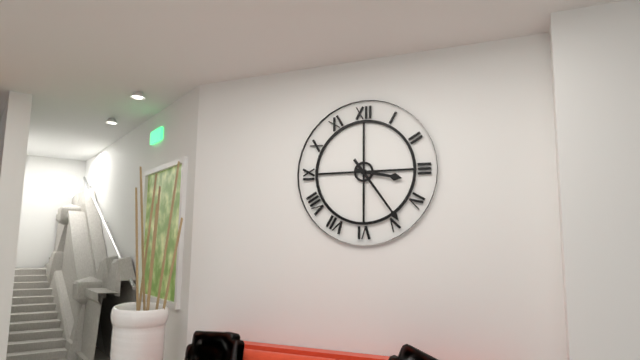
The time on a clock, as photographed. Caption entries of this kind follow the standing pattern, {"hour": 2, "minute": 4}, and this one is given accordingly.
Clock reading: {"hour": 3, "minute": 24}
